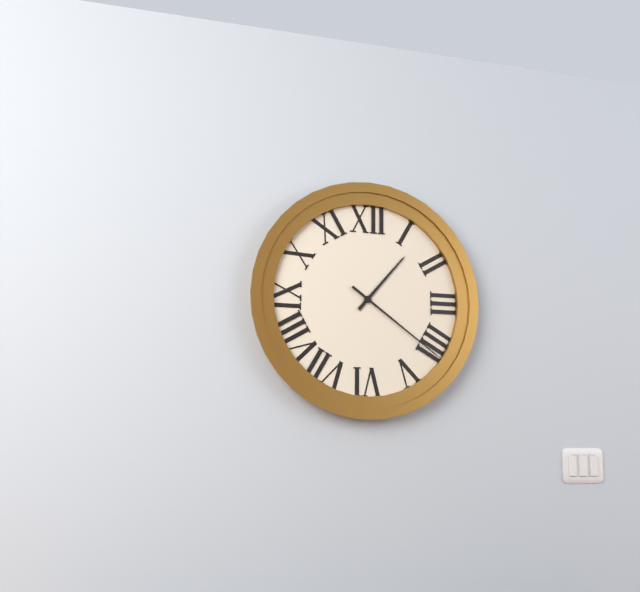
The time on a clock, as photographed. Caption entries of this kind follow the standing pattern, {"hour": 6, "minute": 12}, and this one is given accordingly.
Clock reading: {"hour": 1, "minute": 21}
